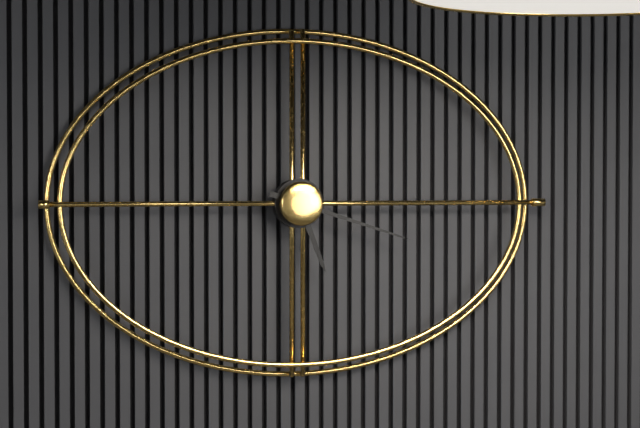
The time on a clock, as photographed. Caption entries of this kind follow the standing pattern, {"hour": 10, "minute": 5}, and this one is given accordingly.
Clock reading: {"hour": 5, "minute": 18}
